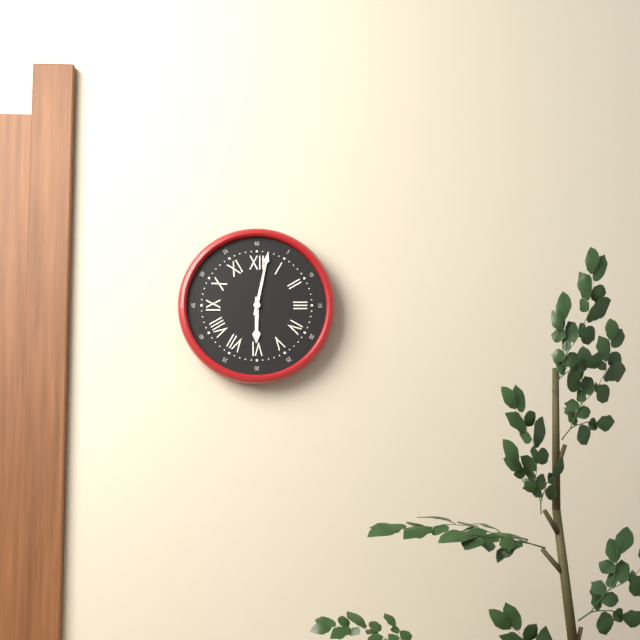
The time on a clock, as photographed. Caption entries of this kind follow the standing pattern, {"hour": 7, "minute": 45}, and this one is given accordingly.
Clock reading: {"hour": 6, "minute": 2}
